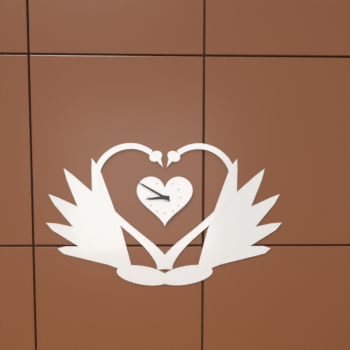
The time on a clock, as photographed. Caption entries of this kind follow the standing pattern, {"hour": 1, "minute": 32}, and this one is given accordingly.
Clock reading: {"hour": 8, "minute": 50}
